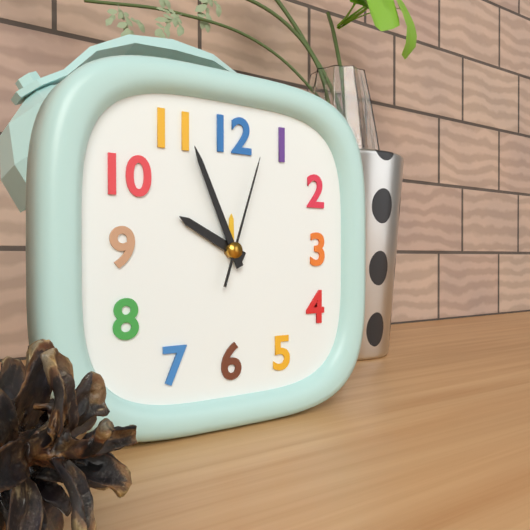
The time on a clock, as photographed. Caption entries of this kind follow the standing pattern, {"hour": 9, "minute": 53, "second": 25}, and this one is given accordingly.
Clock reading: {"hour": 9, "minute": 56, "second": 3}
